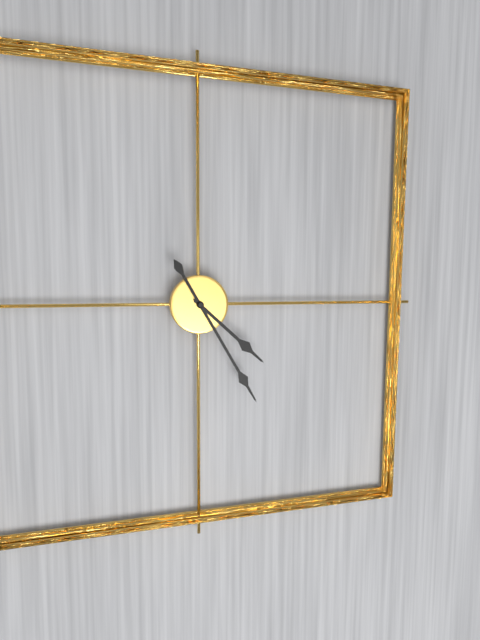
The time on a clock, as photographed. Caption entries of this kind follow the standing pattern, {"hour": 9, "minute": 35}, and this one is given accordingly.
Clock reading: {"hour": 4, "minute": 25}
